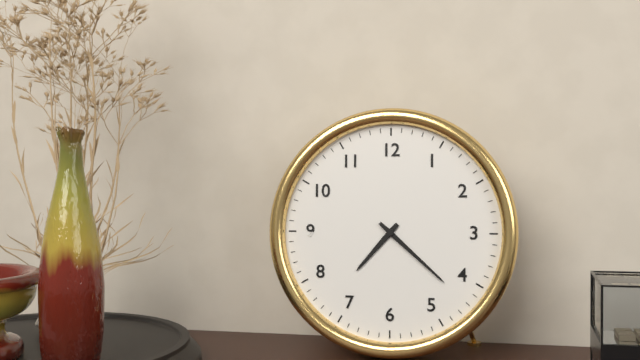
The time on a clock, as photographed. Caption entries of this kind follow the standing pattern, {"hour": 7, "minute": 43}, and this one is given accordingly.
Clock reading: {"hour": 7, "minute": 22}
